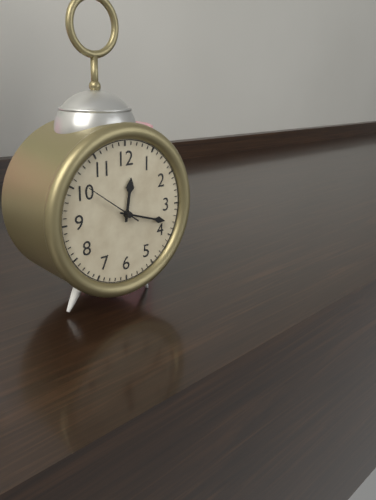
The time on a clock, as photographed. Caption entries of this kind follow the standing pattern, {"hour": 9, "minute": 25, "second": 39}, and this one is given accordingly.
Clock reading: {"hour": 12, "minute": 18, "second": 51}
